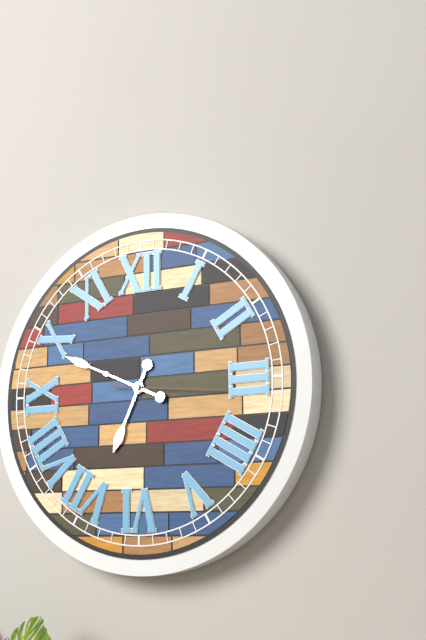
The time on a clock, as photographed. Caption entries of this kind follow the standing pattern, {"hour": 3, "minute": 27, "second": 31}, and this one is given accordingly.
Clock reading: {"hour": 6, "minute": 49, "second": 16}
